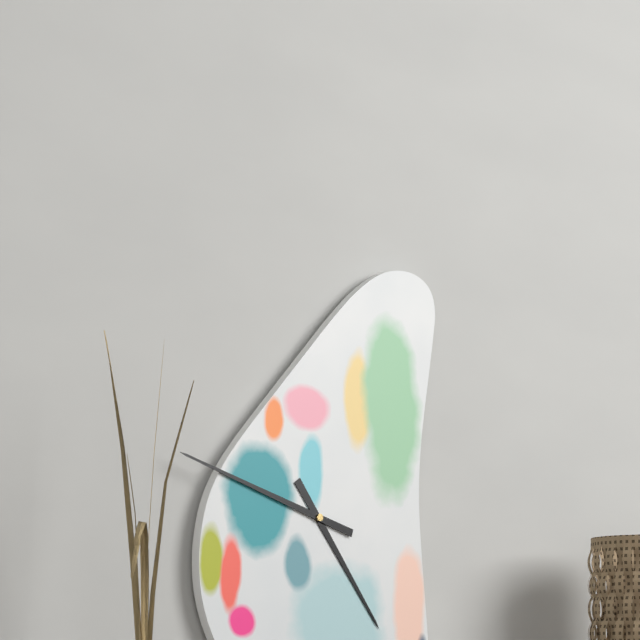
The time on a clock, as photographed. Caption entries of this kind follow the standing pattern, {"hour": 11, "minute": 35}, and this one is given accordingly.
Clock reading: {"hour": 4, "minute": 48}
